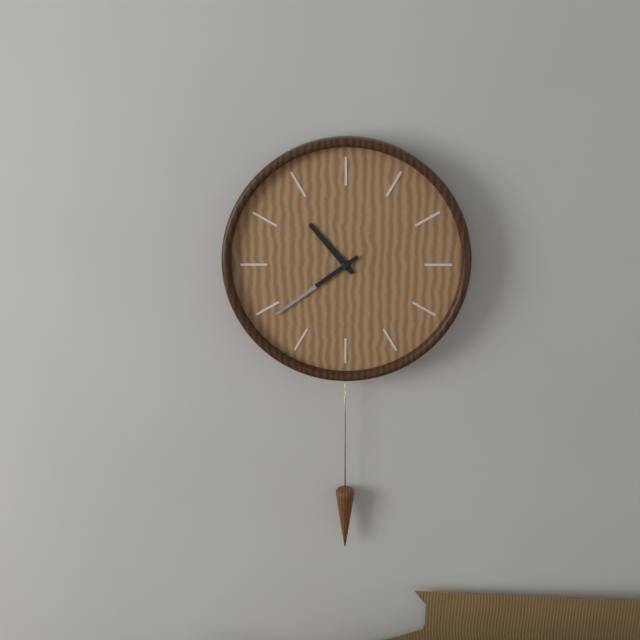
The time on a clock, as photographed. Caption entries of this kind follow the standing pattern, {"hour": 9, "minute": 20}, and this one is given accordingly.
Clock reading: {"hour": 10, "minute": 39}
